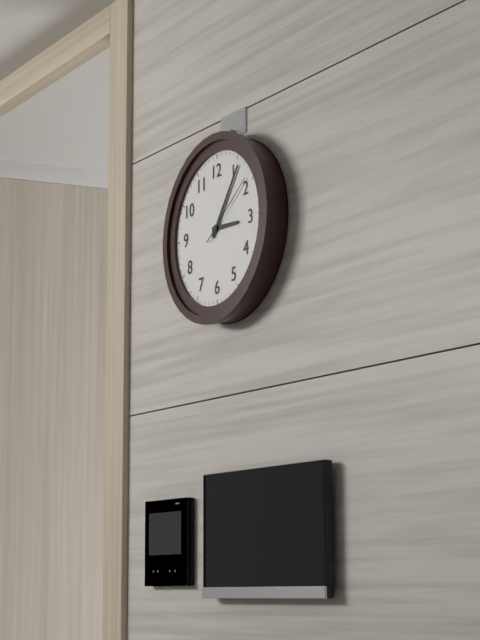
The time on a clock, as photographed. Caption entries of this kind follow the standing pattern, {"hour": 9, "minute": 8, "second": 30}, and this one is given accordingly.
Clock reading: {"hour": 3, "minute": 6, "second": 9}
